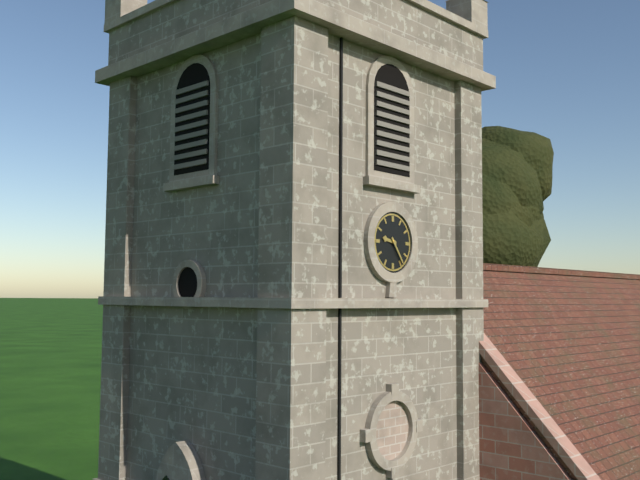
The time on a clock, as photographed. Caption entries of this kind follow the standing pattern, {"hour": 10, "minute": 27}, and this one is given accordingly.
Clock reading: {"hour": 9, "minute": 24}
